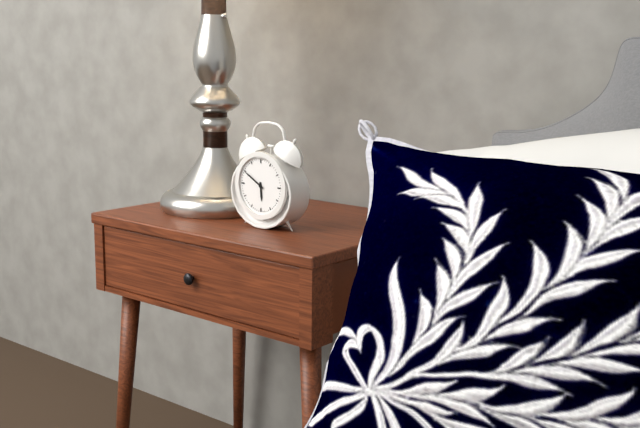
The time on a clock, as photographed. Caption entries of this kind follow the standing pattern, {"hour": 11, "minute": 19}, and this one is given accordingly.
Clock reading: {"hour": 5, "minute": 50}
